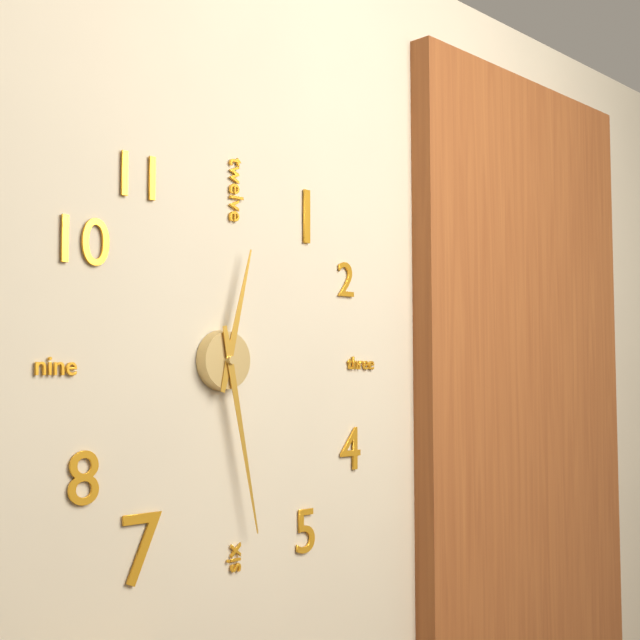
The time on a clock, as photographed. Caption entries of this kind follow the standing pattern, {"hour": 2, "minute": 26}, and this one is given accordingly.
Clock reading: {"hour": 12, "minute": 28}
